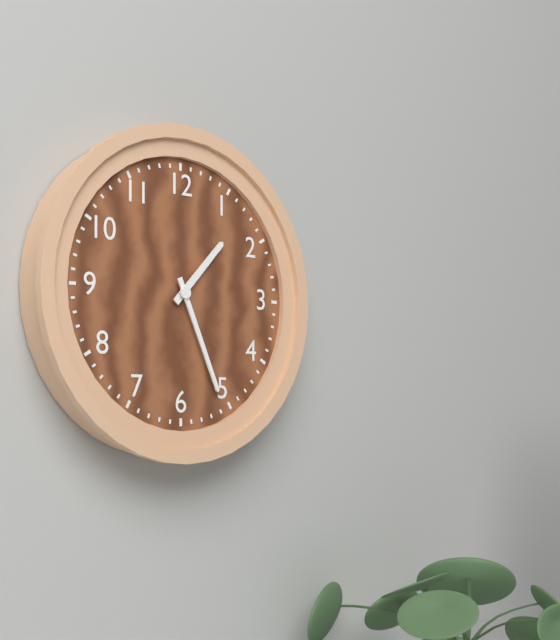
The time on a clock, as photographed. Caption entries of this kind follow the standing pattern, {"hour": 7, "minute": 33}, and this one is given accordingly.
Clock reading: {"hour": 1, "minute": 26}
